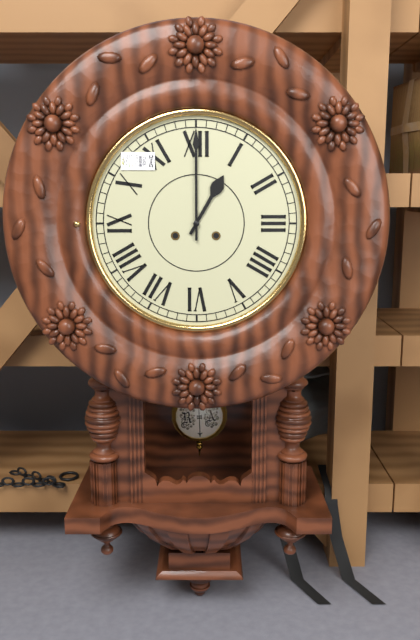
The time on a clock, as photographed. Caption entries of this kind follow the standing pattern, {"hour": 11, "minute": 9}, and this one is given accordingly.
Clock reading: {"hour": 1, "minute": 0}
